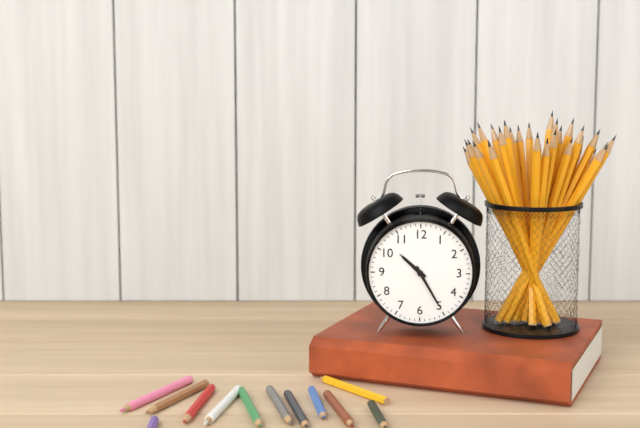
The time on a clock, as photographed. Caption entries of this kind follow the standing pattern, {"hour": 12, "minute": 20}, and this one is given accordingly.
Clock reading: {"hour": 10, "minute": 25}
